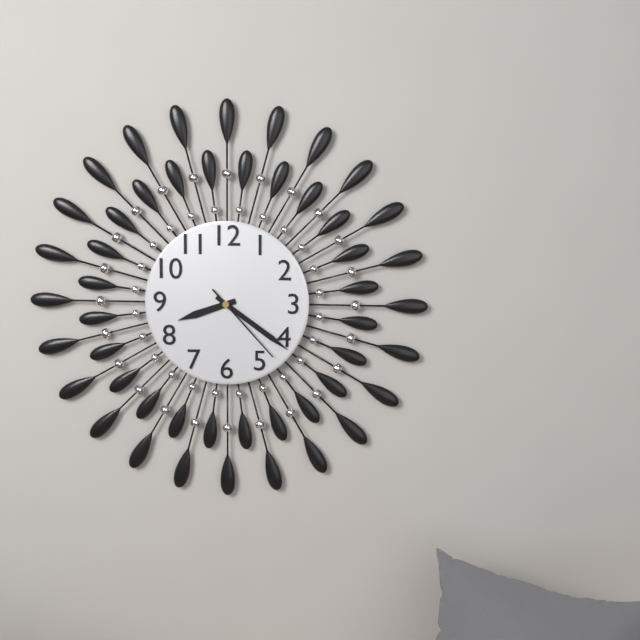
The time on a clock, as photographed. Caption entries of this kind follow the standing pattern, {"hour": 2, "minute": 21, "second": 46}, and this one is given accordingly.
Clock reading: {"hour": 8, "minute": 21, "second": 23}
